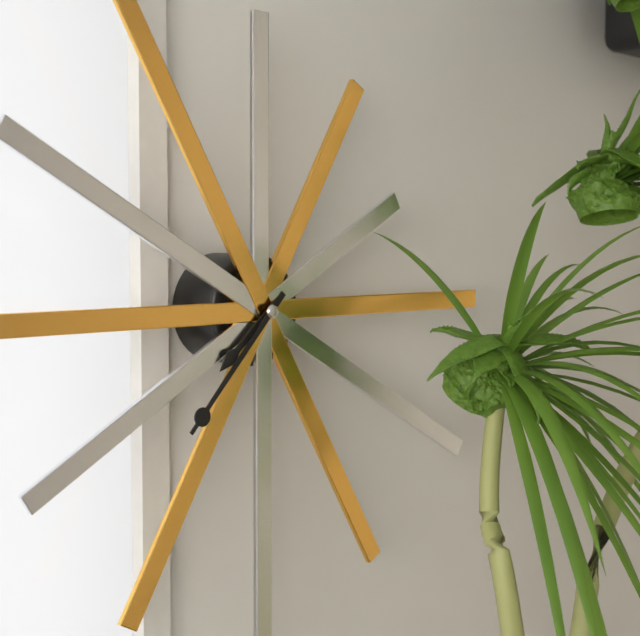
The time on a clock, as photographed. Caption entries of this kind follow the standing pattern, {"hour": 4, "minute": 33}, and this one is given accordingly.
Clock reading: {"hour": 7, "minute": 37}
